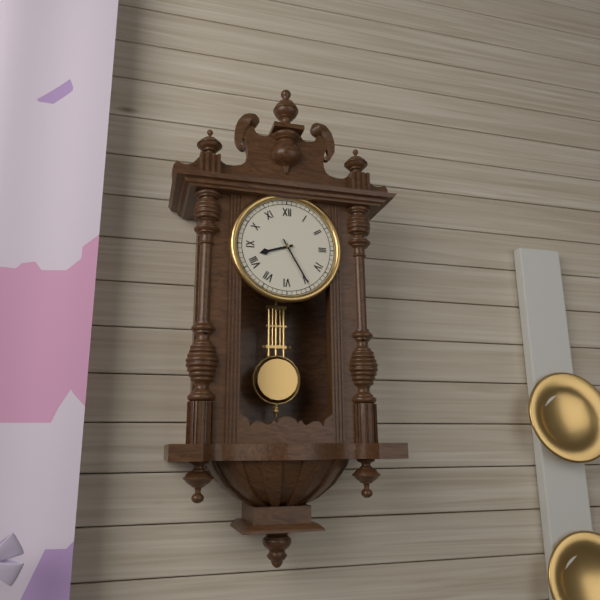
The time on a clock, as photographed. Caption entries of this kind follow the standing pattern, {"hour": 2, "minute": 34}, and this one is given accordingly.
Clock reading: {"hour": 8, "minute": 25}
